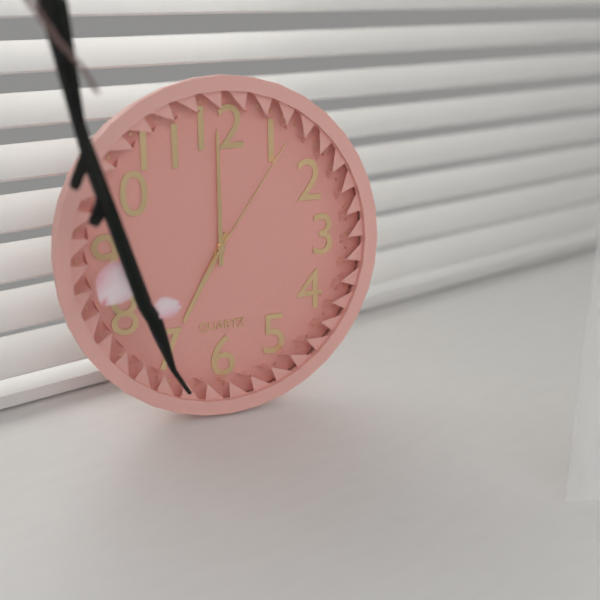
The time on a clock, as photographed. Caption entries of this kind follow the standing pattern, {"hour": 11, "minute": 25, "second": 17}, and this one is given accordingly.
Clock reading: {"hour": 7, "minute": 0, "second": 6}
